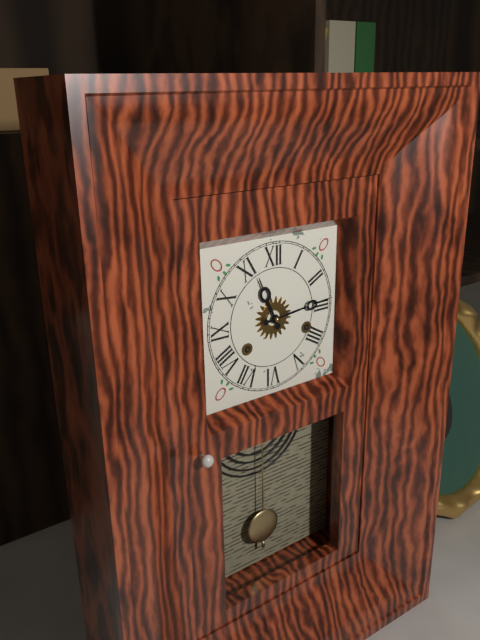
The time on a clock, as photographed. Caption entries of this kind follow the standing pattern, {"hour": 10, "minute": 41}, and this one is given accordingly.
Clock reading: {"hour": 11, "minute": 14}
